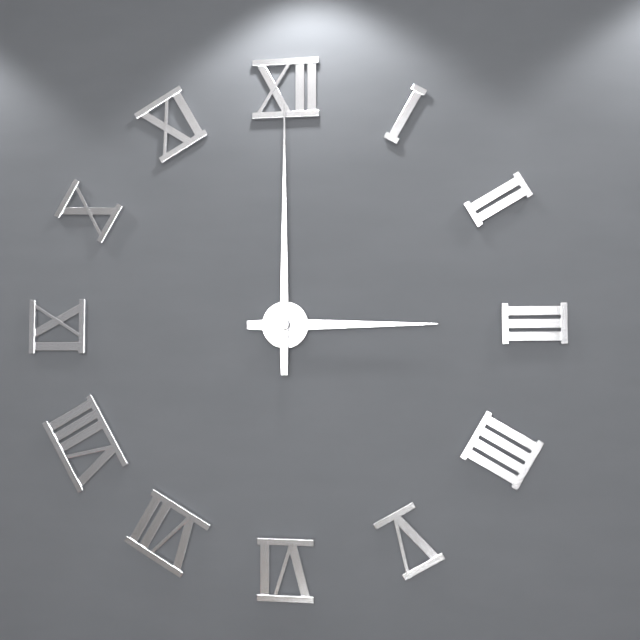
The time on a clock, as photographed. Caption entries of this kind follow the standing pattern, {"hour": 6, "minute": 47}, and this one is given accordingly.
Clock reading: {"hour": 3, "minute": 0}
